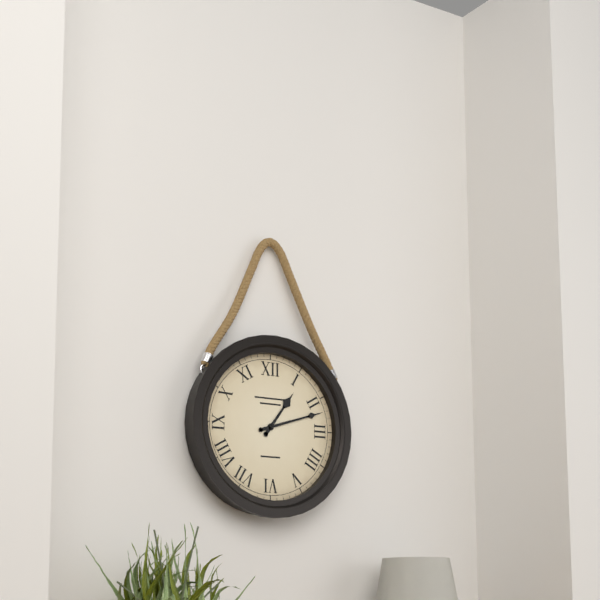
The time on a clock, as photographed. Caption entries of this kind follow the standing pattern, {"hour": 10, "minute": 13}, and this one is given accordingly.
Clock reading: {"hour": 1, "minute": 12}
